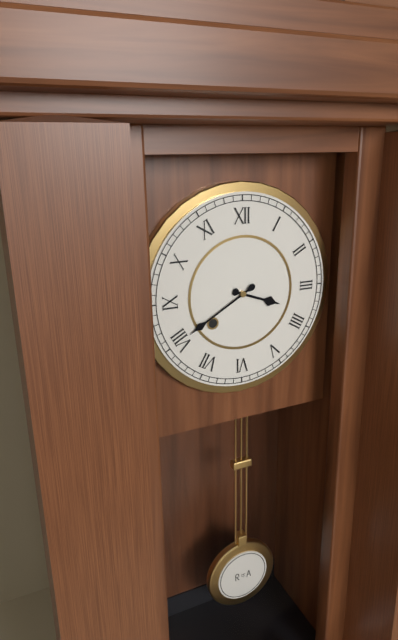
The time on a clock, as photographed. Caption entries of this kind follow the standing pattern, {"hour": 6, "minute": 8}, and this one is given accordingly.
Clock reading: {"hour": 3, "minute": 40}
